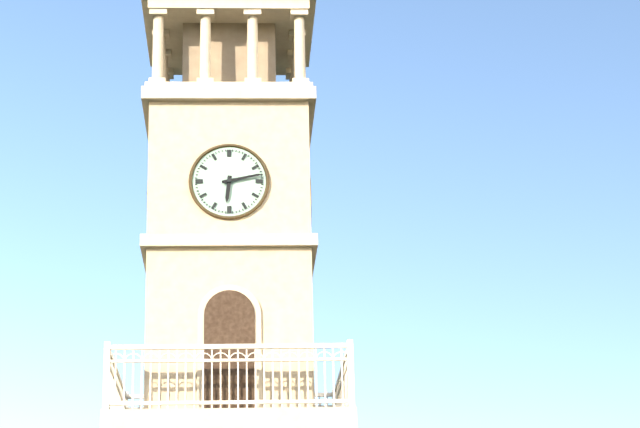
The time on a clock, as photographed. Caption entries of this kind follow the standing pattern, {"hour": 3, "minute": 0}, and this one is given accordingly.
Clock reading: {"hour": 6, "minute": 13}
